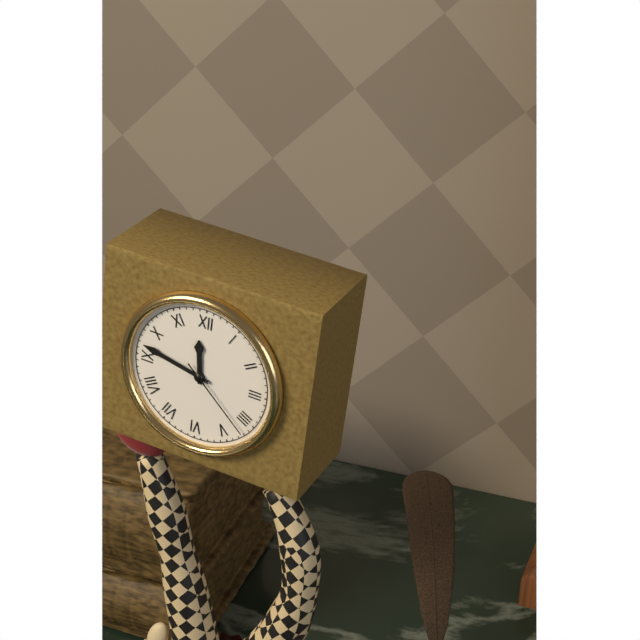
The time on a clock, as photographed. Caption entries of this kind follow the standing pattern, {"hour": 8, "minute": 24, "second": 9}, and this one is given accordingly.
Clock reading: {"hour": 11, "minute": 47, "second": 22}
